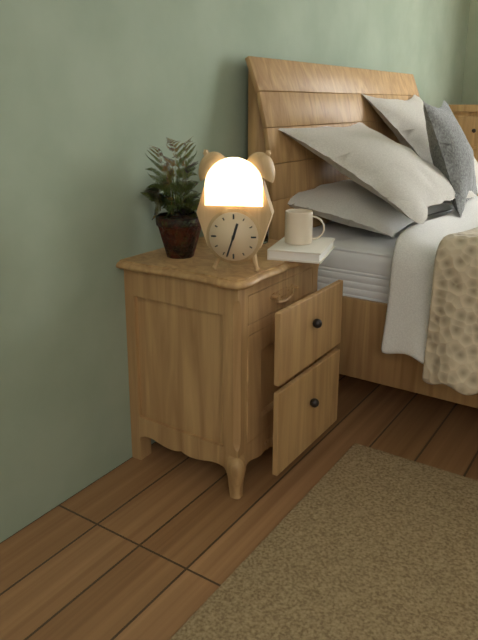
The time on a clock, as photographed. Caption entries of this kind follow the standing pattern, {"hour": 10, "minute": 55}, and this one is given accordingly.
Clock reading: {"hour": 12, "minute": 33}
